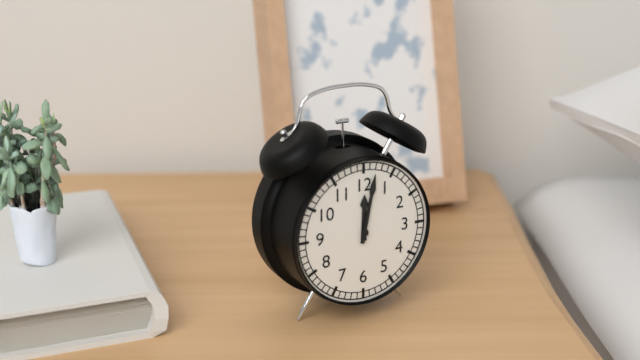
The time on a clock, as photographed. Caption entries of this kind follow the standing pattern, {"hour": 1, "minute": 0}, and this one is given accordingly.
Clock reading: {"hour": 12, "minute": 2}
